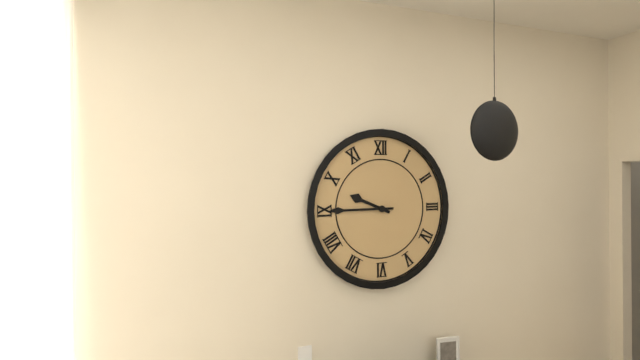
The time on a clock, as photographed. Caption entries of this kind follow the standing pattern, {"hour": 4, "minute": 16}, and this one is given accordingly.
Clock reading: {"hour": 9, "minute": 45}
